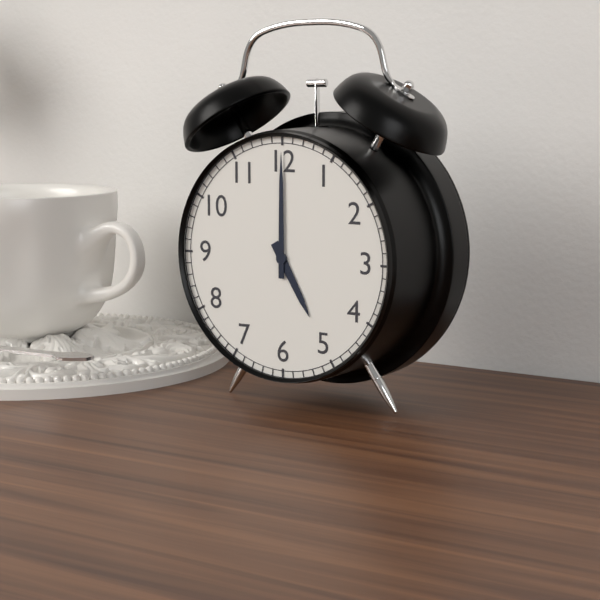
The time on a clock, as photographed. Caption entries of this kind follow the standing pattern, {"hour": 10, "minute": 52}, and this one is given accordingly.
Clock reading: {"hour": 5, "minute": 0}
